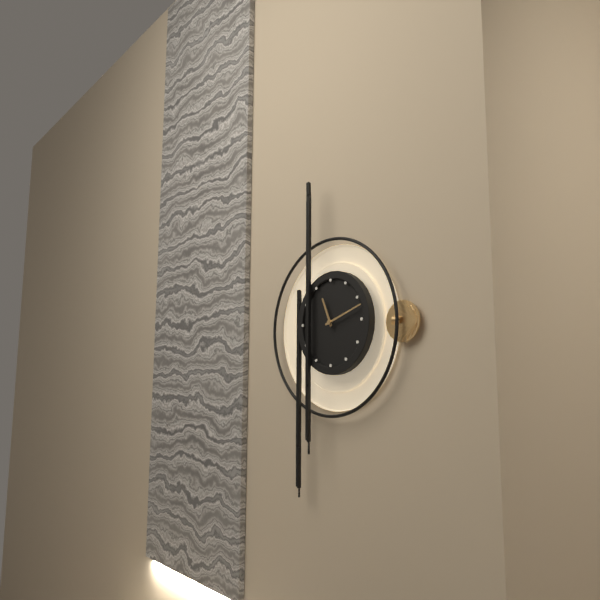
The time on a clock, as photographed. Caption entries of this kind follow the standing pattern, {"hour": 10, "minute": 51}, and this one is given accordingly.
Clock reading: {"hour": 11, "minute": 12}
